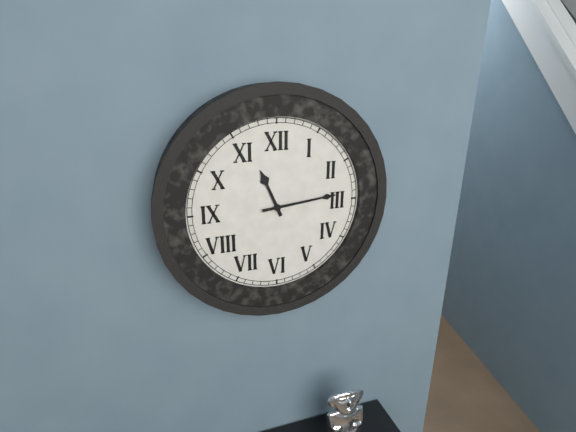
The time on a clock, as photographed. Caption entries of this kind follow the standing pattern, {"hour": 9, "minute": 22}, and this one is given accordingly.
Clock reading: {"hour": 11, "minute": 14}
